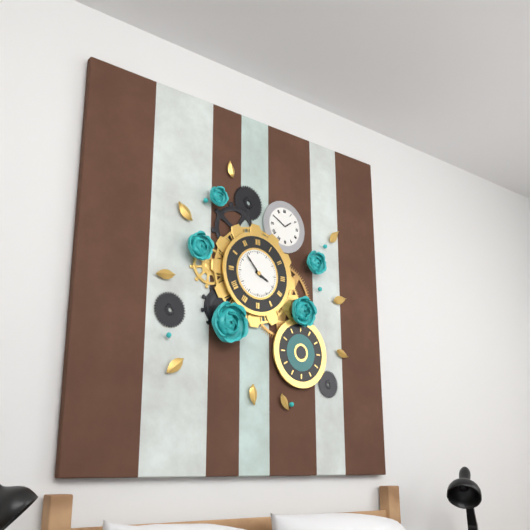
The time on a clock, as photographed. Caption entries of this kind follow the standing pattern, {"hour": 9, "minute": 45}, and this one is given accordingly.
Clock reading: {"hour": 3, "minute": 53}
